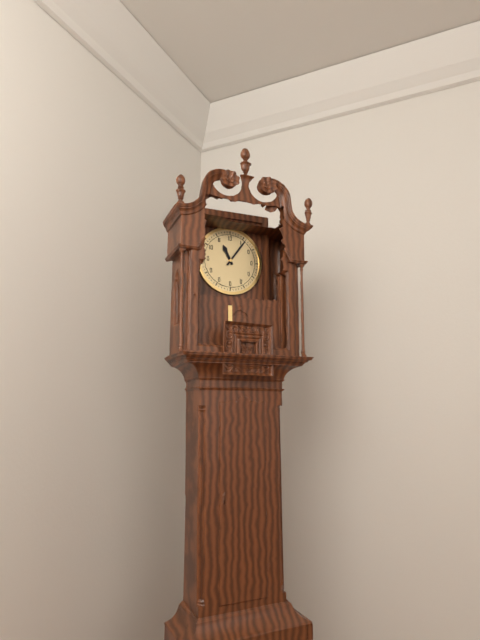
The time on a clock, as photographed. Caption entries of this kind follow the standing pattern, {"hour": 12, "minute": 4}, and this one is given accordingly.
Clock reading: {"hour": 11, "minute": 6}
